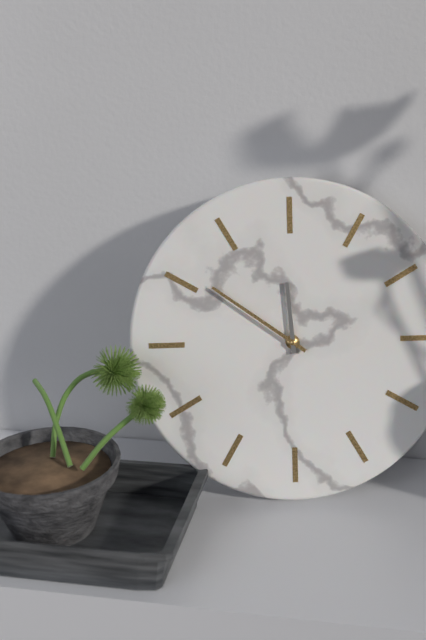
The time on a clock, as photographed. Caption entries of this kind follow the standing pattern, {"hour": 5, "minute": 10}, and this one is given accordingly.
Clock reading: {"hour": 11, "minute": 51}
